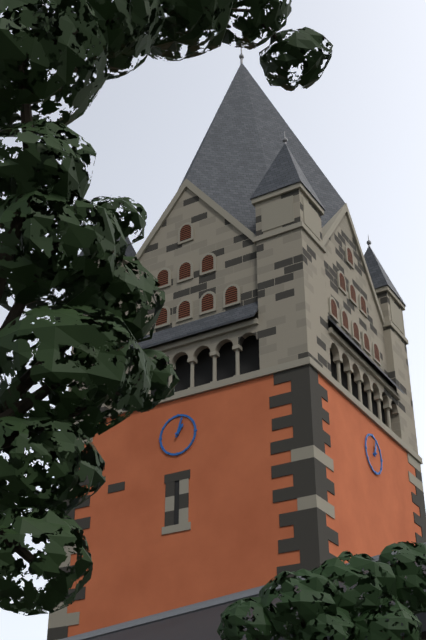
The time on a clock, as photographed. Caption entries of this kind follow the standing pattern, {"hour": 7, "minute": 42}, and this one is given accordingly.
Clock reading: {"hour": 1, "minute": 3}
